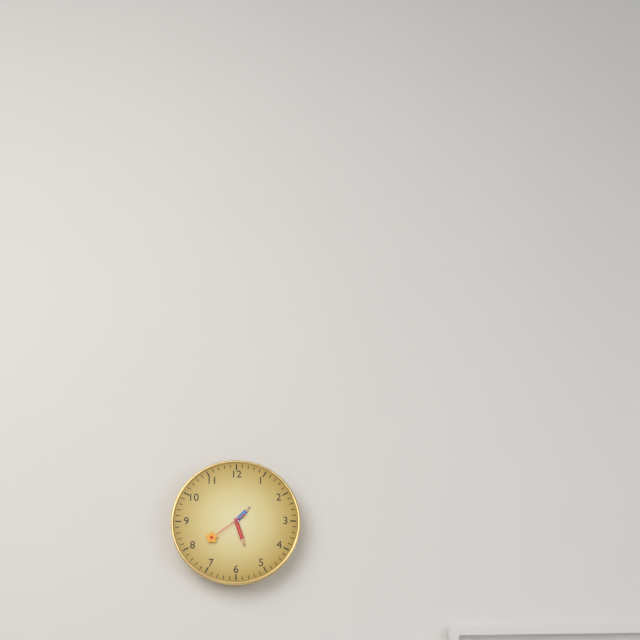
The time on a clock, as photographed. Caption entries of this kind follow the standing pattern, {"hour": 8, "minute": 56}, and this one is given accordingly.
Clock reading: {"hour": 1, "minute": 27}
